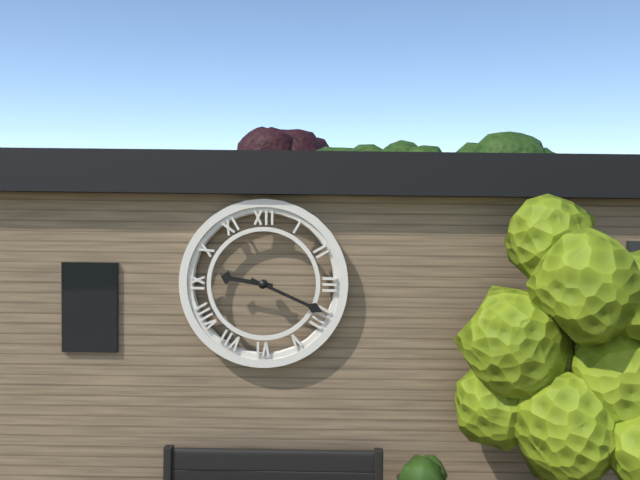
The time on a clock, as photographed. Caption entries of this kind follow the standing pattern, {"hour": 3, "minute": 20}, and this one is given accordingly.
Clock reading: {"hour": 9, "minute": 19}
